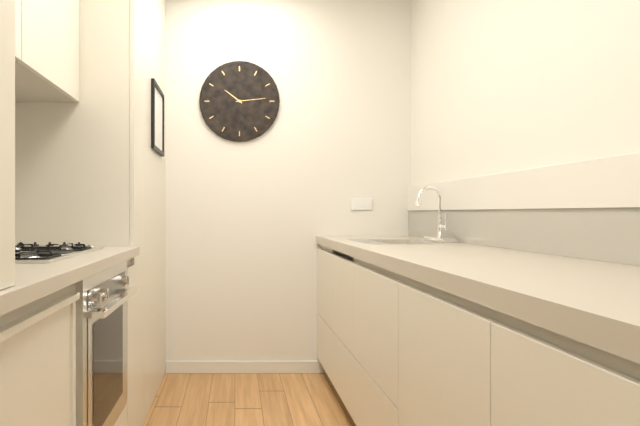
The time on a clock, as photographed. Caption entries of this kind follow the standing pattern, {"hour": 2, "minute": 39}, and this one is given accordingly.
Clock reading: {"hour": 10, "minute": 14}
